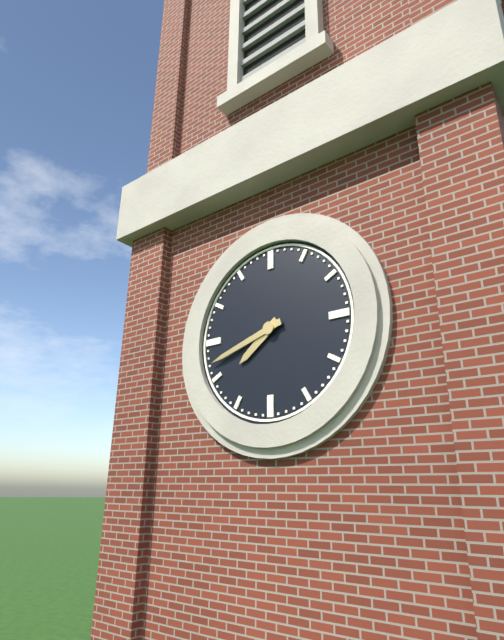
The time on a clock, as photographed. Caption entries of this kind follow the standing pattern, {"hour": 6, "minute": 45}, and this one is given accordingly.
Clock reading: {"hour": 7, "minute": 42}
